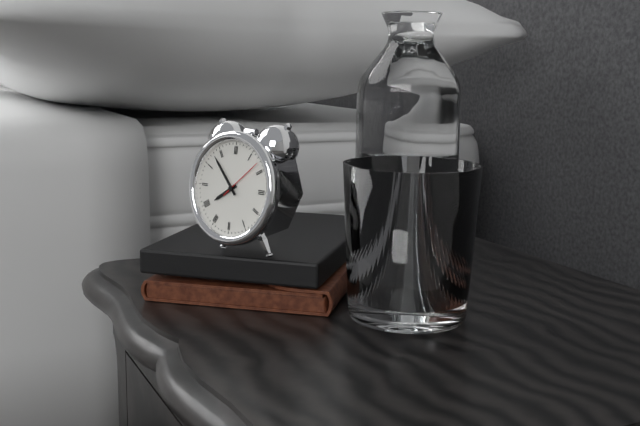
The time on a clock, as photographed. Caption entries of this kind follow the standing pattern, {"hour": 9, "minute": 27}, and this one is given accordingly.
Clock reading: {"hour": 7, "minute": 53}
